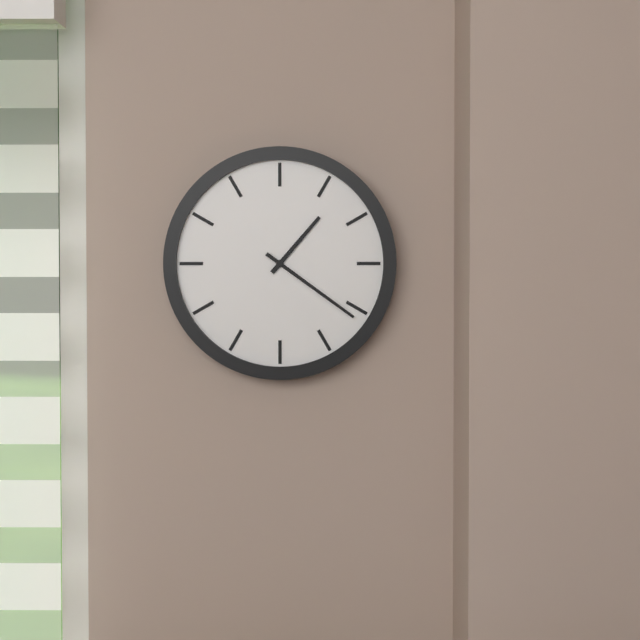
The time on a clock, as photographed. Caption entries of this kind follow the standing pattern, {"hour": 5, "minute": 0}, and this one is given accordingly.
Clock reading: {"hour": 1, "minute": 21}
